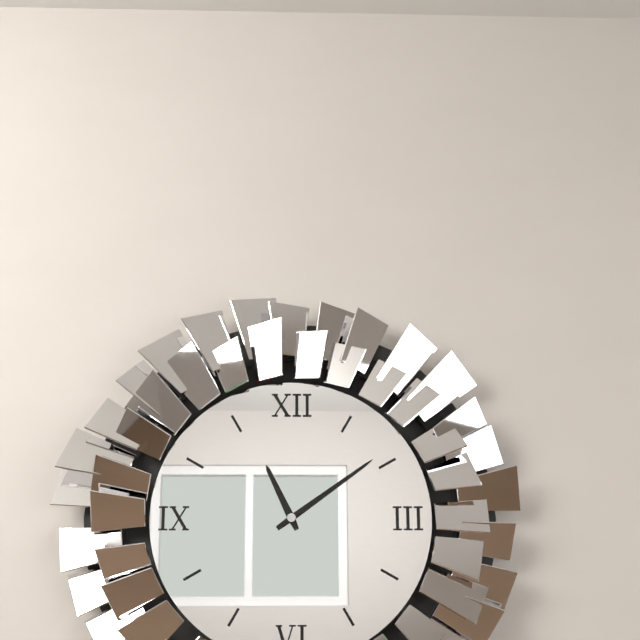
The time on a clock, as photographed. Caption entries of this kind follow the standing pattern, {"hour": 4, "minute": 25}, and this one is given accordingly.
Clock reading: {"hour": 11, "minute": 9}
